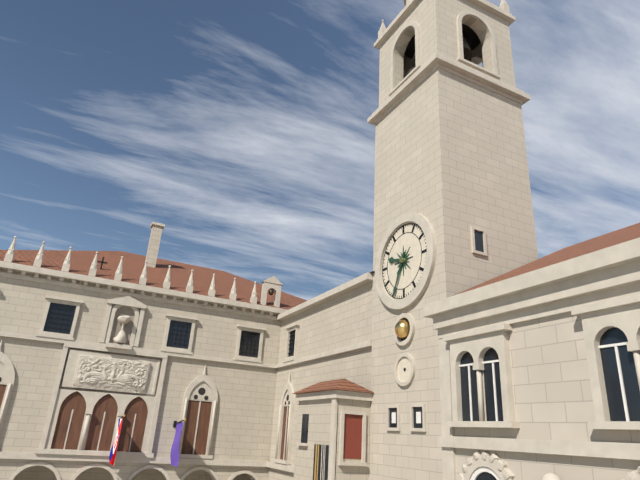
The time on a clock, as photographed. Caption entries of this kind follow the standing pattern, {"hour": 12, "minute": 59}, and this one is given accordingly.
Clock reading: {"hour": 9, "minute": 34}
